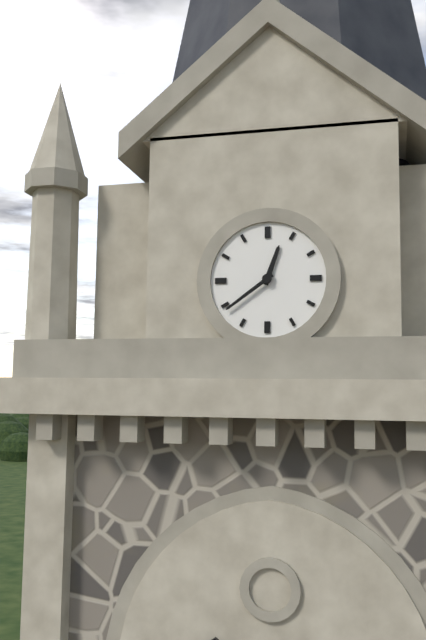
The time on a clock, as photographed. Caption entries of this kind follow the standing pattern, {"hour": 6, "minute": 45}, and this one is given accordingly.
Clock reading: {"hour": 12, "minute": 39}
